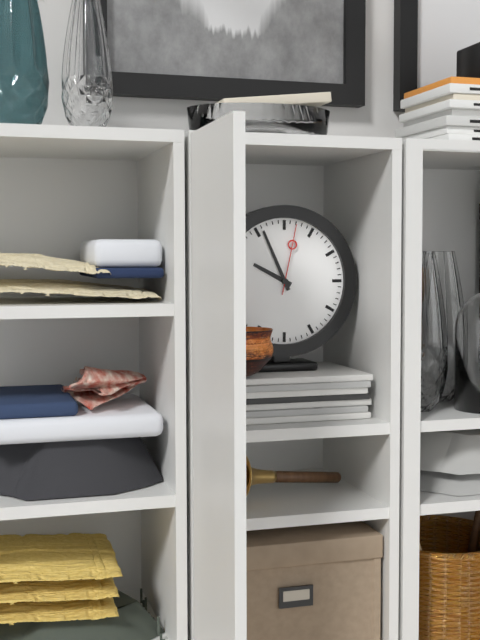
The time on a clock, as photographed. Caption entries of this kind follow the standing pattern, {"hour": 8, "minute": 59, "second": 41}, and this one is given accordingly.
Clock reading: {"hour": 9, "minute": 56, "second": 2}
